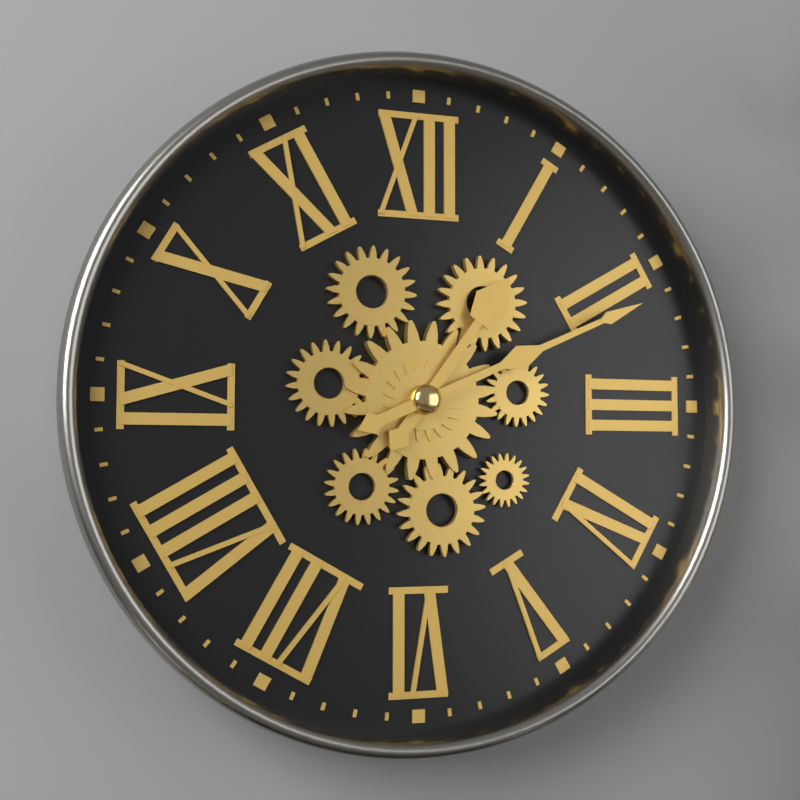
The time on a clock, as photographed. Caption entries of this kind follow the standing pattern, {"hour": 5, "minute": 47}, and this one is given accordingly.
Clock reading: {"hour": 1, "minute": 11}
